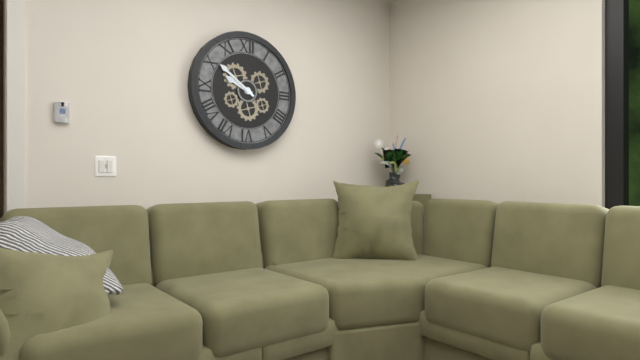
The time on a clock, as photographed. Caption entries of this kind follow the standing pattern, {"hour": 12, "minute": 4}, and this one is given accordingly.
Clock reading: {"hour": 9, "minute": 51}
